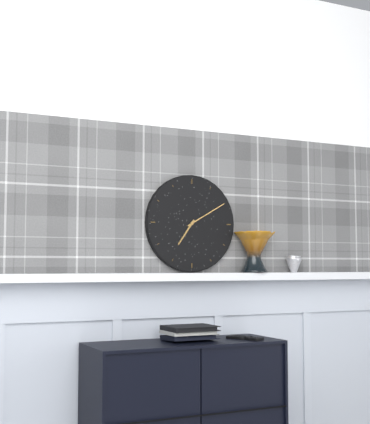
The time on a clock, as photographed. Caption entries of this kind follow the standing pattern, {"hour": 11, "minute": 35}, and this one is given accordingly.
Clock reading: {"hour": 7, "minute": 10}
